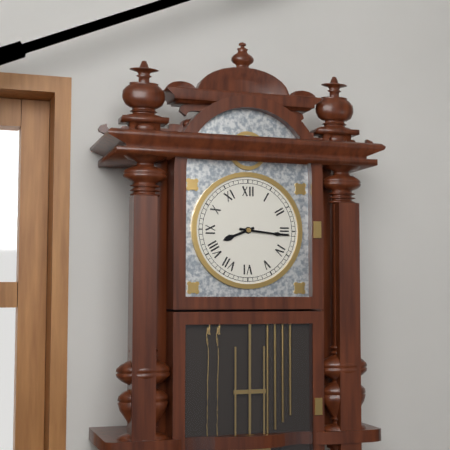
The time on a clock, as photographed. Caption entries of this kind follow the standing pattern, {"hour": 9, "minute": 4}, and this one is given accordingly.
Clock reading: {"hour": 8, "minute": 16}
